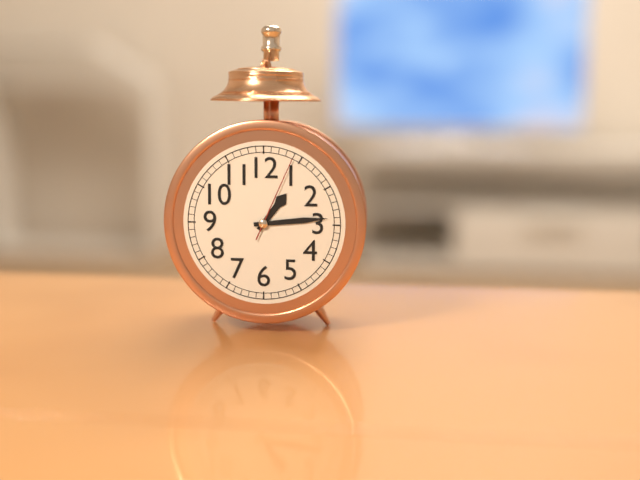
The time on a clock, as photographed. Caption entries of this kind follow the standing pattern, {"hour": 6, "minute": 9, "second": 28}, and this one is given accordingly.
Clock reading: {"hour": 1, "minute": 14, "second": 4}
